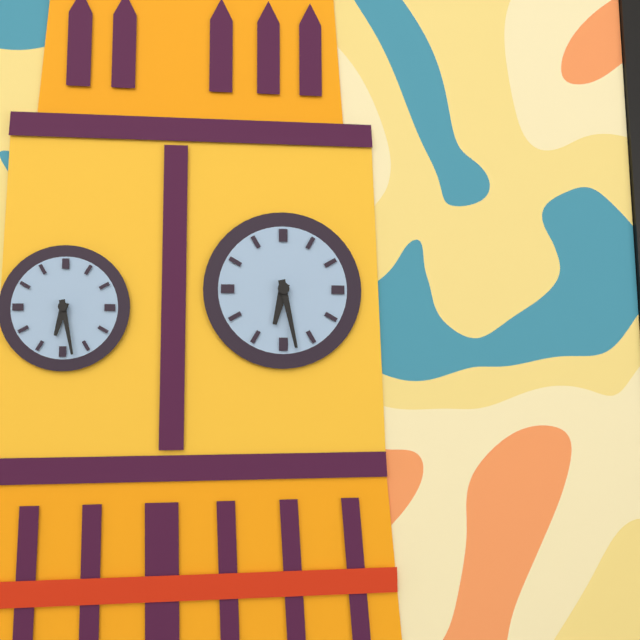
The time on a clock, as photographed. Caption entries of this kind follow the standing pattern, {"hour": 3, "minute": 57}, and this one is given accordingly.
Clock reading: {"hour": 6, "minute": 28}
